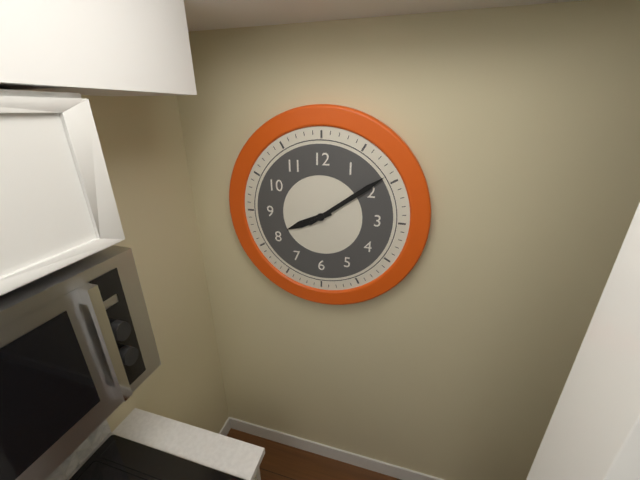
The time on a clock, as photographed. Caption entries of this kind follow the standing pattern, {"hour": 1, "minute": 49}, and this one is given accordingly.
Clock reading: {"hour": 8, "minute": 9}
